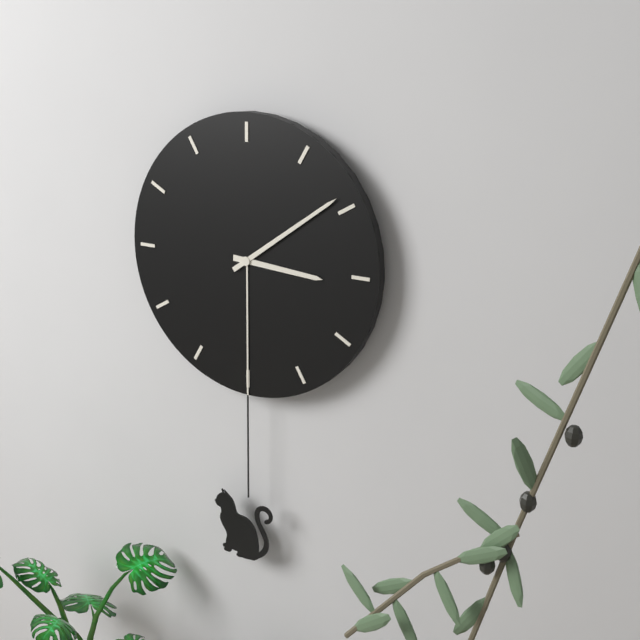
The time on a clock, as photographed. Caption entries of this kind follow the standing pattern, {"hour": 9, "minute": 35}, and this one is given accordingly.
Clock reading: {"hour": 3, "minute": 9}
